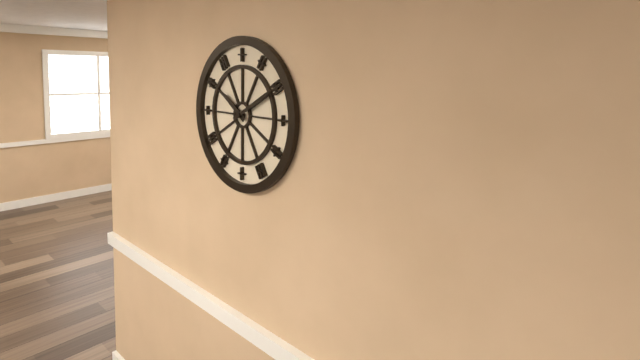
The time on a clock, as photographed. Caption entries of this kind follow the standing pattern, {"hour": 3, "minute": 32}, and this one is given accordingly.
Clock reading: {"hour": 10, "minute": 10}
